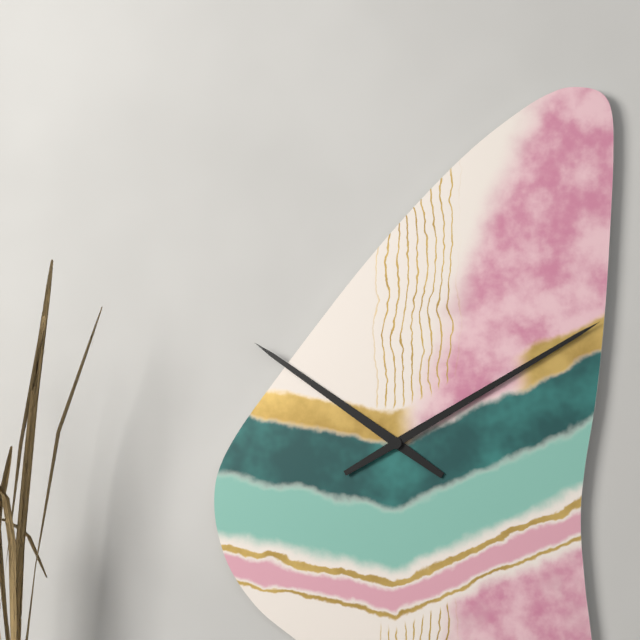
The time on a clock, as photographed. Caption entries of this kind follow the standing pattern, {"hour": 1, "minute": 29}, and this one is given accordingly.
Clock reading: {"hour": 10, "minute": 10}
